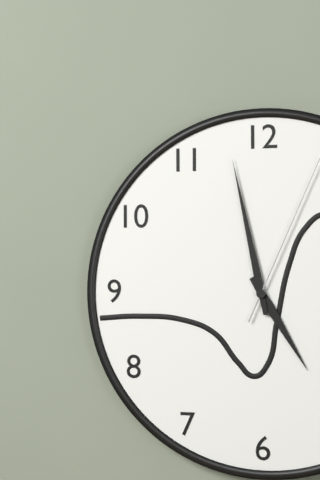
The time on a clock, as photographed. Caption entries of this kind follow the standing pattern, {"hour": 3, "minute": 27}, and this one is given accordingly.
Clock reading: {"hour": 4, "minute": 58}
